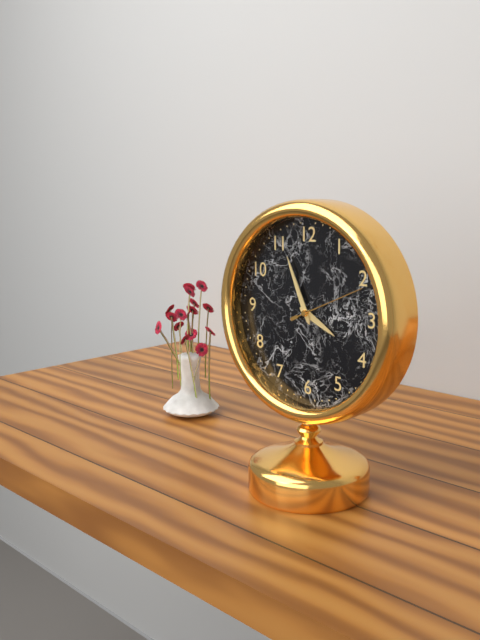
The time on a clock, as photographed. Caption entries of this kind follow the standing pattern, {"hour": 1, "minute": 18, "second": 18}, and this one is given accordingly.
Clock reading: {"hour": 3, "minute": 56, "second": 11}
